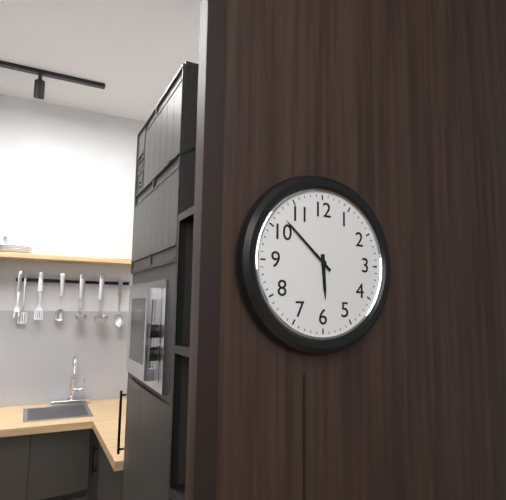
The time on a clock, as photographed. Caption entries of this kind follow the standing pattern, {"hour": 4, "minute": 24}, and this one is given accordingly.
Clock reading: {"hour": 5, "minute": 52}
